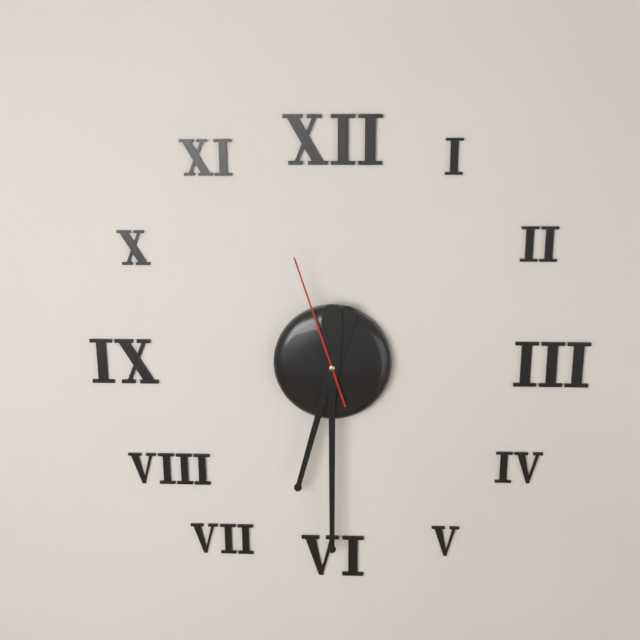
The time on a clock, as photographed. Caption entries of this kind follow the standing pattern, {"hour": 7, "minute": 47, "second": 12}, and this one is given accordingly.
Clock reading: {"hour": 6, "minute": 30, "second": 57}
